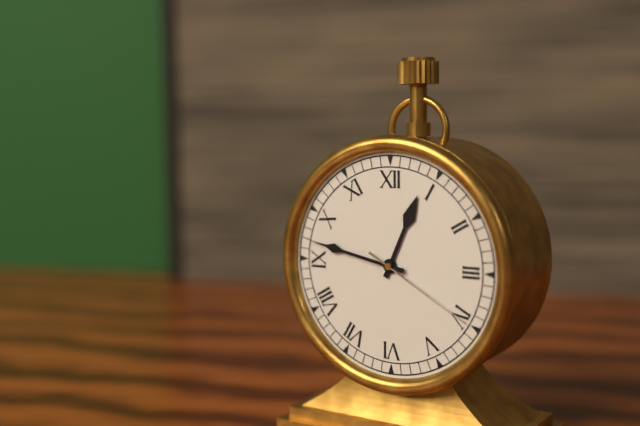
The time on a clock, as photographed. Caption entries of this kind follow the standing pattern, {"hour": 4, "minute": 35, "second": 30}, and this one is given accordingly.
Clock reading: {"hour": 12, "minute": 47, "second": 20}
